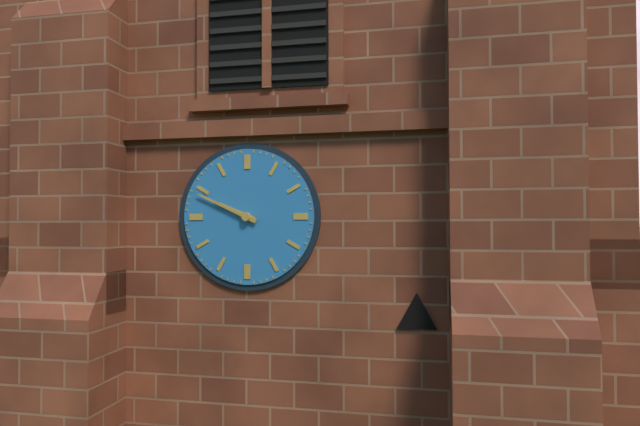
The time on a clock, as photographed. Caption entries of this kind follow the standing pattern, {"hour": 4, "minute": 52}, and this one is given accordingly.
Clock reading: {"hour": 9, "minute": 49}
